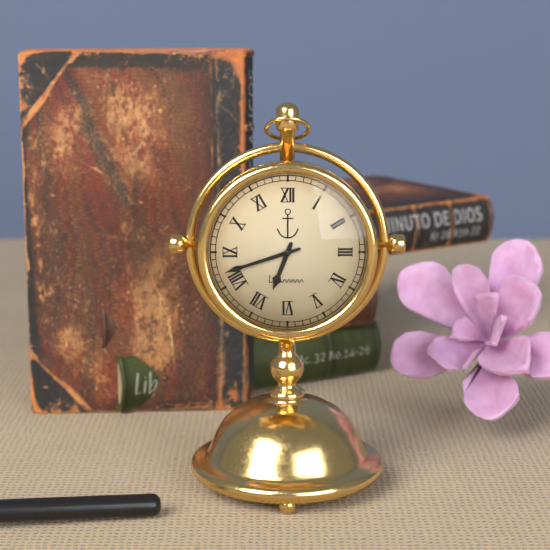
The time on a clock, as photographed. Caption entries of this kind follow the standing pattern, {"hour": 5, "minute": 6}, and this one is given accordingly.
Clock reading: {"hour": 6, "minute": 42}
